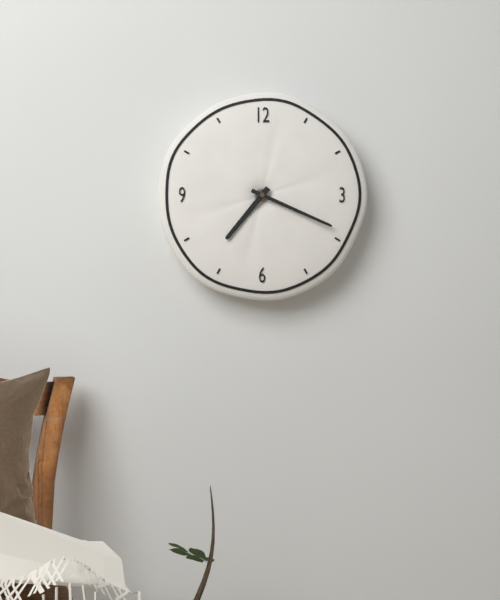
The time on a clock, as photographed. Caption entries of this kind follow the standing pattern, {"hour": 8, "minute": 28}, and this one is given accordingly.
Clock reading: {"hour": 7, "minute": 19}
